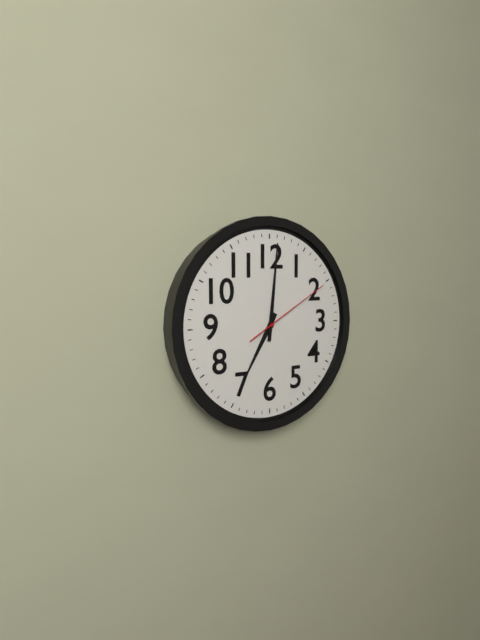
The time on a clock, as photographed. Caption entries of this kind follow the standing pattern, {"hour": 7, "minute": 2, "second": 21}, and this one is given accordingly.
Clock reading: {"hour": 7, "minute": 1, "second": 10}
